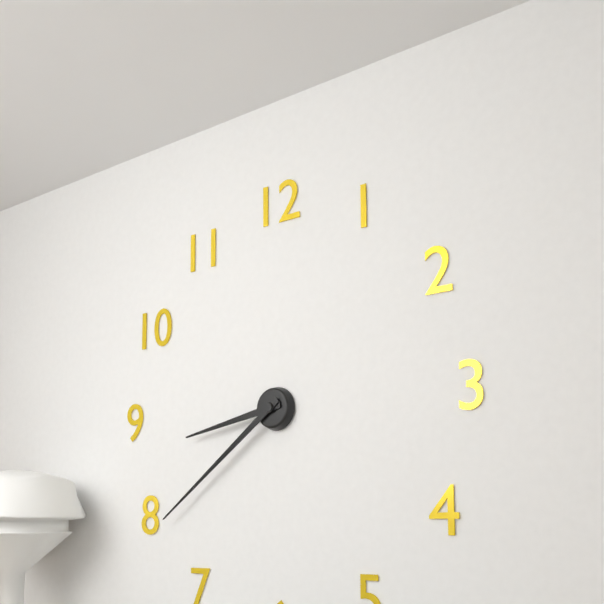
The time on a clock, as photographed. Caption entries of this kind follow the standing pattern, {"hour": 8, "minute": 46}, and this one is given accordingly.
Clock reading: {"hour": 8, "minute": 39}
